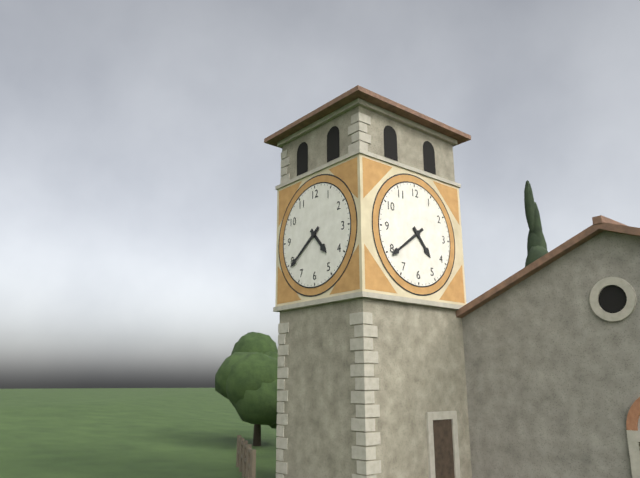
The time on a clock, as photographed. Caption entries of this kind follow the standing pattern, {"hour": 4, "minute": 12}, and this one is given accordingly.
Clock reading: {"hour": 4, "minute": 39}
